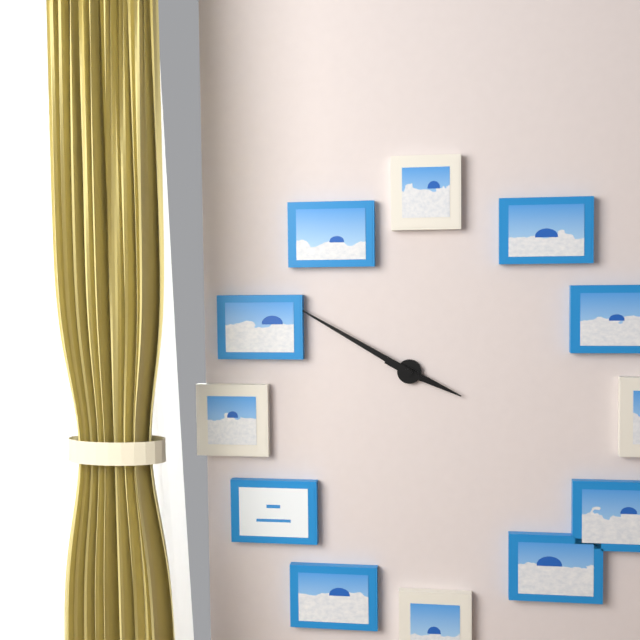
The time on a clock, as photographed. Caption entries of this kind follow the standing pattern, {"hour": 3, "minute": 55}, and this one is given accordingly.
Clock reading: {"hour": 3, "minute": 50}
